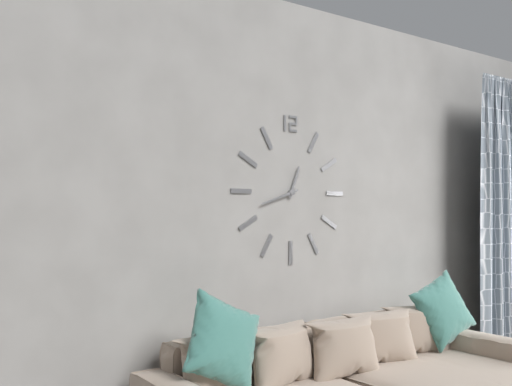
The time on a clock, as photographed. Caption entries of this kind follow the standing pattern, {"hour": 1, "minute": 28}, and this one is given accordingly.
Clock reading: {"hour": 12, "minute": 42}
